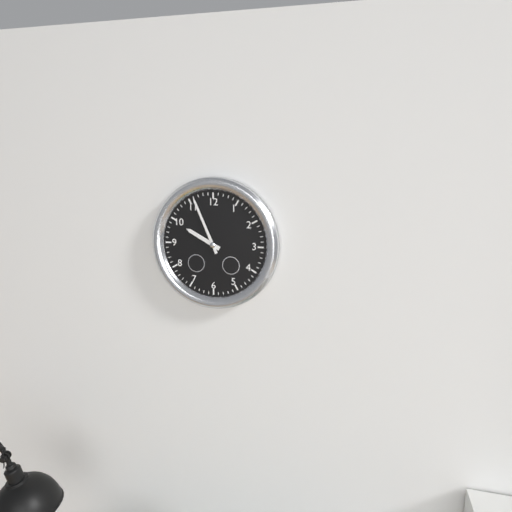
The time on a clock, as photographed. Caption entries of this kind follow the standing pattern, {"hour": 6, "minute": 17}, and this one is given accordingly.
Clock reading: {"hour": 9, "minute": 56}
